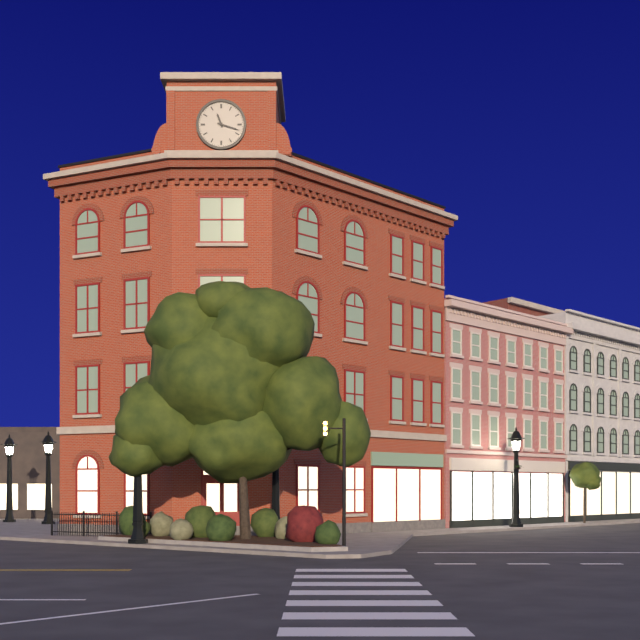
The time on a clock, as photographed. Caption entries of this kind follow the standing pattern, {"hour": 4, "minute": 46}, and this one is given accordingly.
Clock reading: {"hour": 11, "minute": 18}
